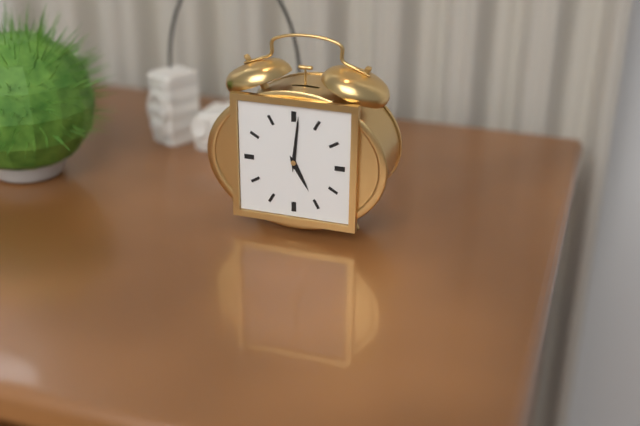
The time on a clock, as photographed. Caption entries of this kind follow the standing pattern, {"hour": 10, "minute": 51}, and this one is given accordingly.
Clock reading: {"hour": 5, "minute": 1}
